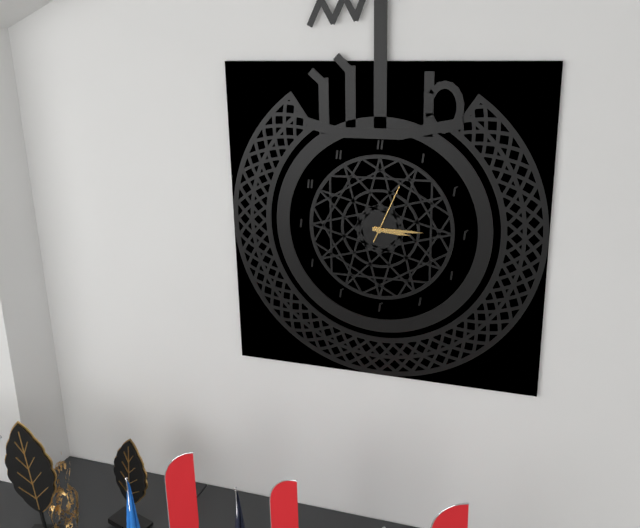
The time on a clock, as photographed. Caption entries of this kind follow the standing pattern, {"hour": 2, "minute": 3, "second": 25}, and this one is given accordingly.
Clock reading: {"hour": 3, "minute": 15, "second": 4}
